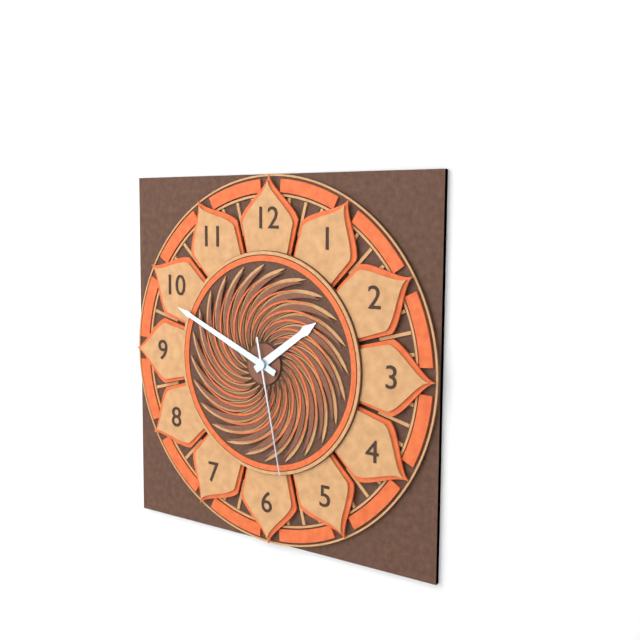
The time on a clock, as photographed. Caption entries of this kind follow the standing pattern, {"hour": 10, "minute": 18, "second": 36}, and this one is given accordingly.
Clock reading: {"hour": 1, "minute": 49, "second": 28}
